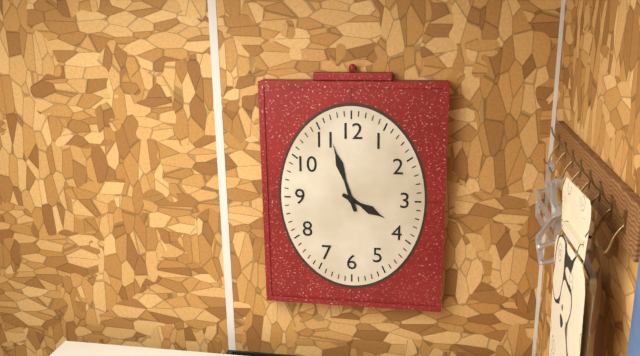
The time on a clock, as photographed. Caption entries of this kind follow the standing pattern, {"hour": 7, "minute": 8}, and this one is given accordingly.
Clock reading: {"hour": 3, "minute": 57}
